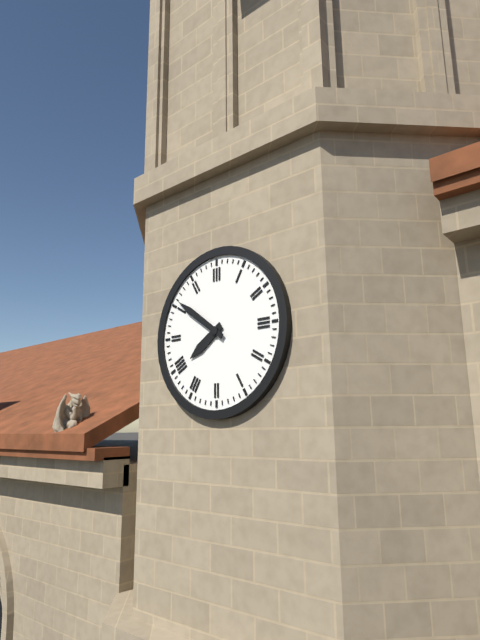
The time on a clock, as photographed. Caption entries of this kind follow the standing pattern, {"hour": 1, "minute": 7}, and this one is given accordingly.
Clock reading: {"hour": 7, "minute": 51}
